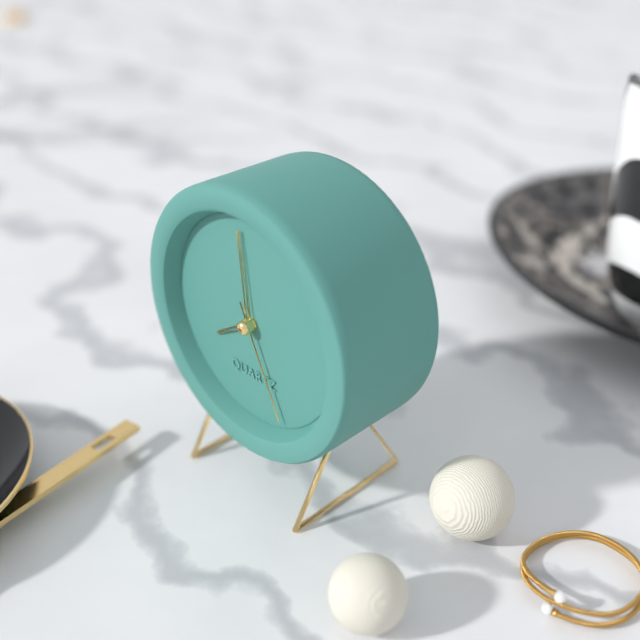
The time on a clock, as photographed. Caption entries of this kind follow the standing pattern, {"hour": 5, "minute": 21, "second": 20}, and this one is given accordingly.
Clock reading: {"hour": 7, "minute": 59, "second": 26}
